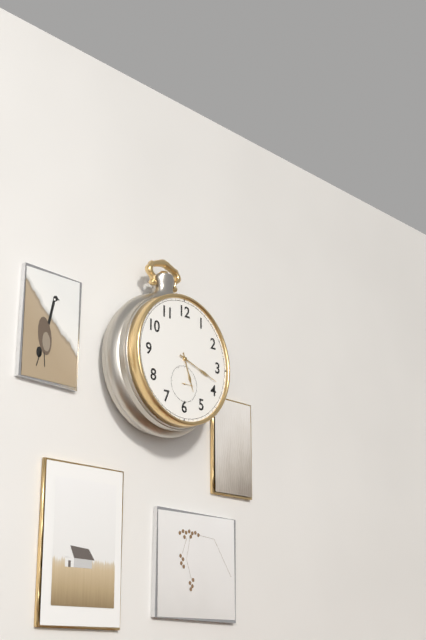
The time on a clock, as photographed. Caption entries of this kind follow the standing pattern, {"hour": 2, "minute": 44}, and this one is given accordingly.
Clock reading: {"hour": 5, "minute": 18}
